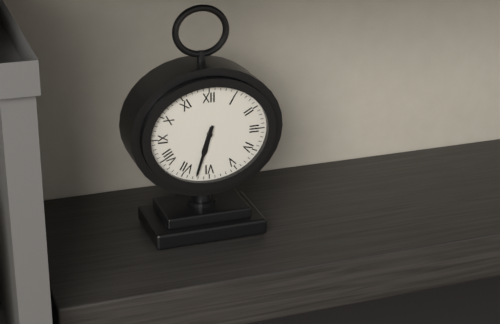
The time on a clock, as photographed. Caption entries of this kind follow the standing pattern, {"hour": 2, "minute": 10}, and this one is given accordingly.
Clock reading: {"hour": 6, "minute": 33}
